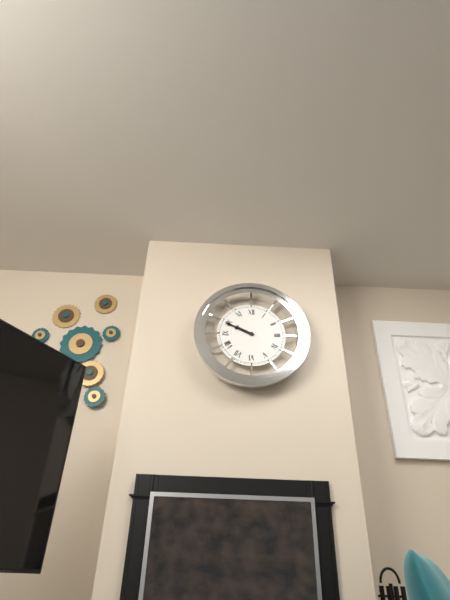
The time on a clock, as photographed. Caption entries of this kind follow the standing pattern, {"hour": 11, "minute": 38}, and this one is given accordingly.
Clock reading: {"hour": 9, "minute": 49}
